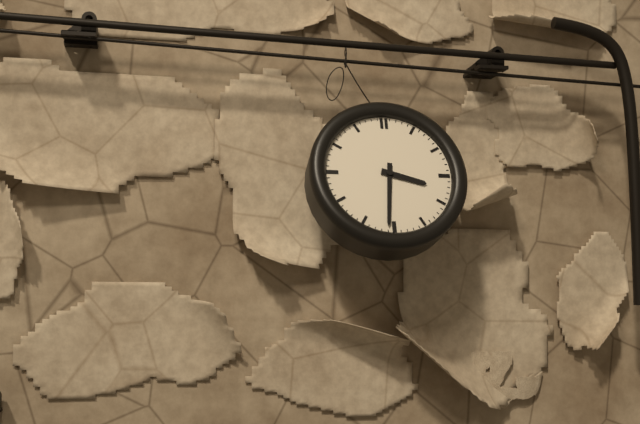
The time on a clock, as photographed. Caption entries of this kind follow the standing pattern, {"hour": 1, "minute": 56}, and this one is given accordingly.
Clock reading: {"hour": 3, "minute": 31}
